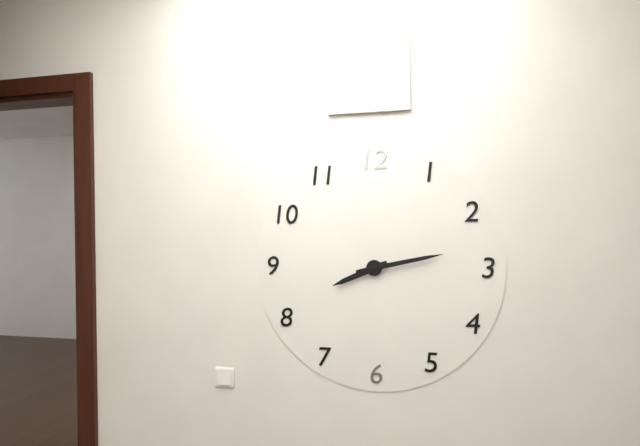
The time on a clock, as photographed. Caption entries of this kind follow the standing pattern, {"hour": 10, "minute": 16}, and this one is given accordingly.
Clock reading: {"hour": 8, "minute": 13}
